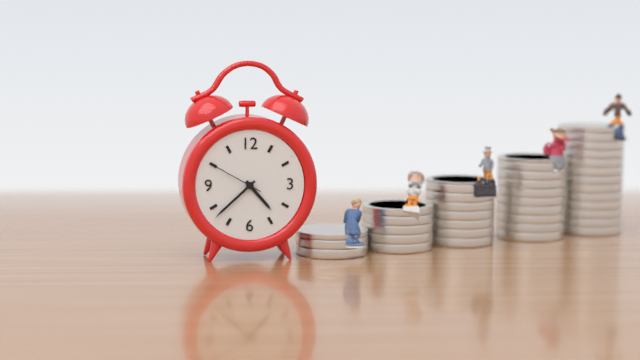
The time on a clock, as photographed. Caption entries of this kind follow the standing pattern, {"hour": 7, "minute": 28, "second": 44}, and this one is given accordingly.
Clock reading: {"hour": 4, "minute": 38, "second": 50}
